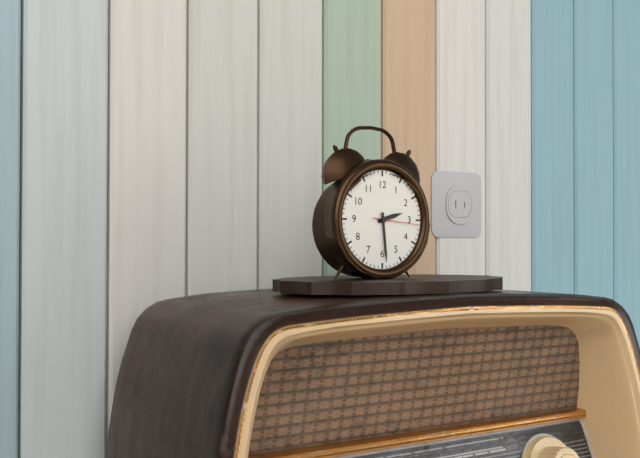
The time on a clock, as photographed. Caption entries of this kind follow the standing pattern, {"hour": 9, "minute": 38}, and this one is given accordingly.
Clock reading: {"hour": 2, "minute": 29}
